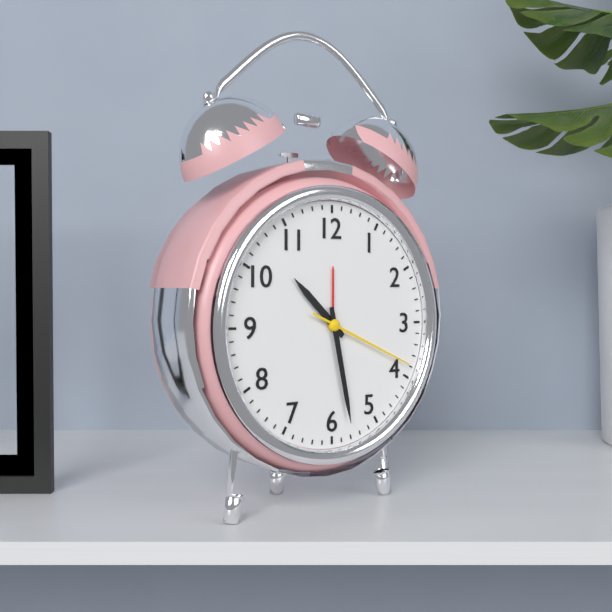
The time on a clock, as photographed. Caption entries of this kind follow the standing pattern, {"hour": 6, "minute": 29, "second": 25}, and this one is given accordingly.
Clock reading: {"hour": 10, "minute": 28, "second": 19}
